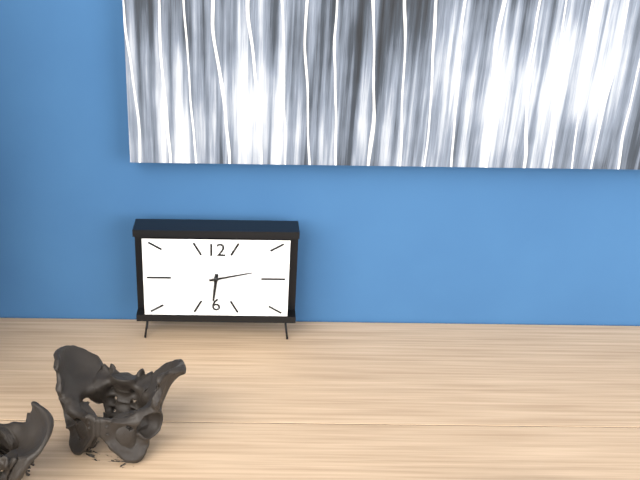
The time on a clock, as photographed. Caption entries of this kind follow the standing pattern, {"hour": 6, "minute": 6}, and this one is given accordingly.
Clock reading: {"hour": 6, "minute": 13}
